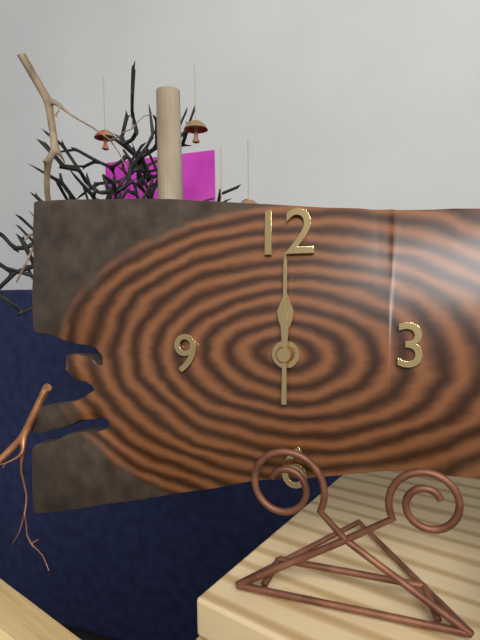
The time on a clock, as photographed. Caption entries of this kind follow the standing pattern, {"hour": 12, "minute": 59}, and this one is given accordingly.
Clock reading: {"hour": 12, "minute": 0}
